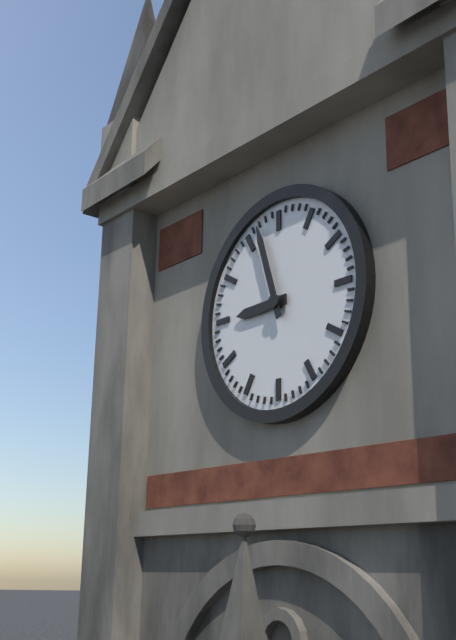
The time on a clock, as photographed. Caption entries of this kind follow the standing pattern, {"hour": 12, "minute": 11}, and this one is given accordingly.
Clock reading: {"hour": 8, "minute": 57}
